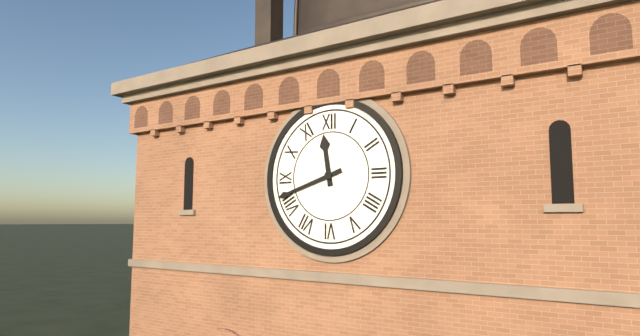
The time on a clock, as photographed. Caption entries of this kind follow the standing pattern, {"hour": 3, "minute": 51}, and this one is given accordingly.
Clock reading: {"hour": 11, "minute": 42}
